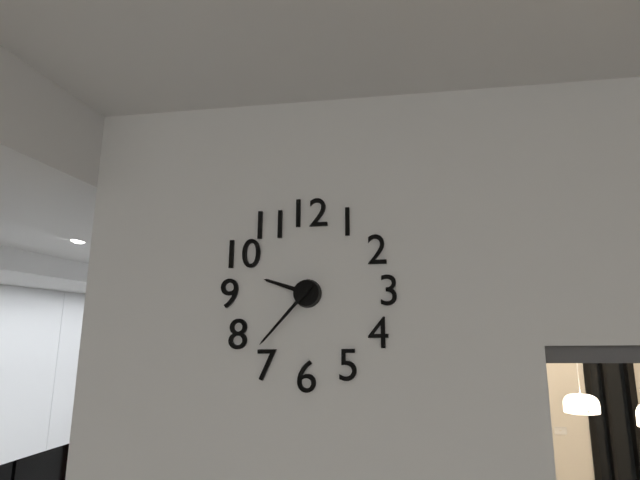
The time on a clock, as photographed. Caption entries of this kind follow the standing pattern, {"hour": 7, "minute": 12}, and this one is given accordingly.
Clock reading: {"hour": 9, "minute": 37}
